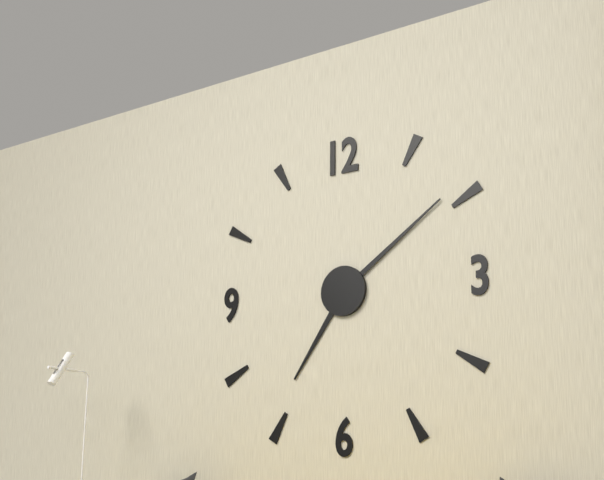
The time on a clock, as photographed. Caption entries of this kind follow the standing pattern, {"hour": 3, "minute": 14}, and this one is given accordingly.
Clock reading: {"hour": 7, "minute": 9}
